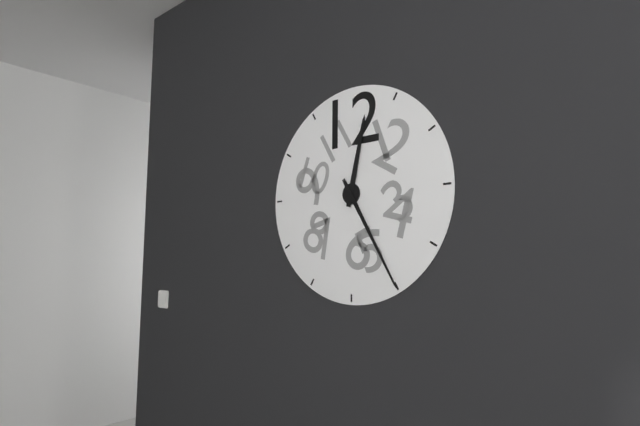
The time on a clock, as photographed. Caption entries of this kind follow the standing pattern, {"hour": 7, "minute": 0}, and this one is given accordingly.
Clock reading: {"hour": 12, "minute": 25}
